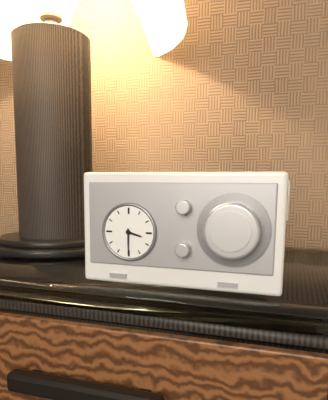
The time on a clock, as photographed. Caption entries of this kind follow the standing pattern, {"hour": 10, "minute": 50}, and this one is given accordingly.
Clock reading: {"hour": 3, "minute": 30}
